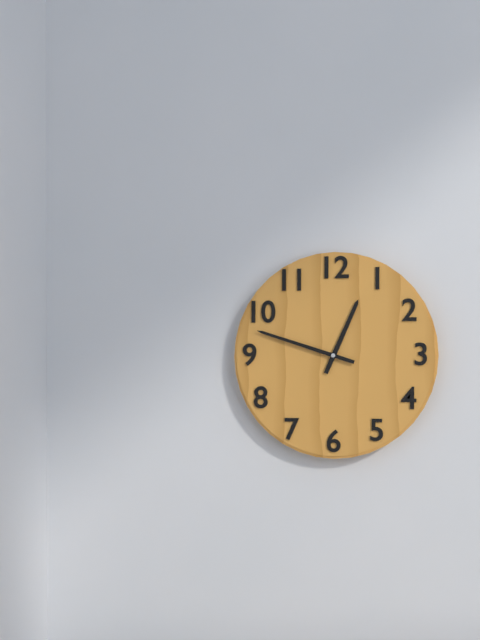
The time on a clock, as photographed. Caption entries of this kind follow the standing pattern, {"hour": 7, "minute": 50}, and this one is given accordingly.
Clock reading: {"hour": 12, "minute": 48}
